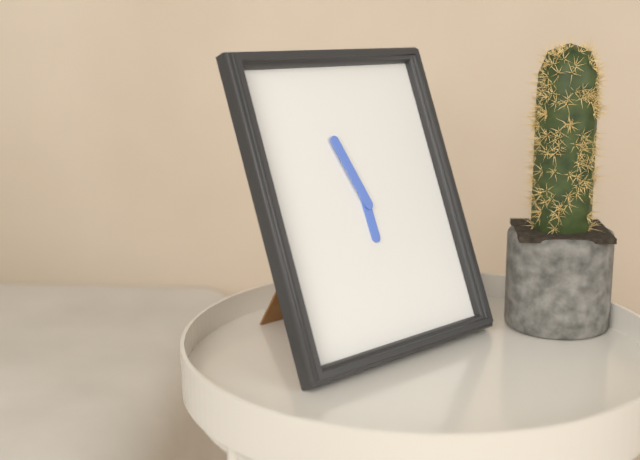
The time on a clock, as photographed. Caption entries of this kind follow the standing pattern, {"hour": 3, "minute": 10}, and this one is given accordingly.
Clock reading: {"hour": 5, "minute": 57}
